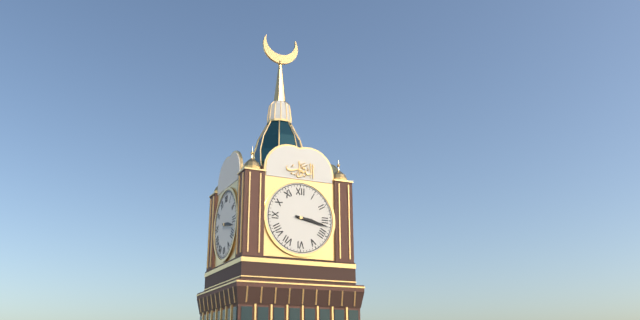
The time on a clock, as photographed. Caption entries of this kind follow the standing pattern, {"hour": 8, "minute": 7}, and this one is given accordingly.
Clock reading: {"hour": 3, "minute": 17}
